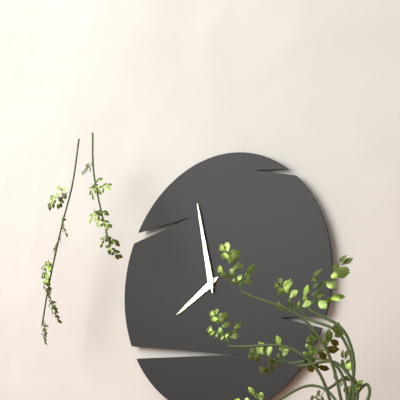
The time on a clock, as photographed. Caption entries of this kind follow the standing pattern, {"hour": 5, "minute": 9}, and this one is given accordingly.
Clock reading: {"hour": 7, "minute": 58}
